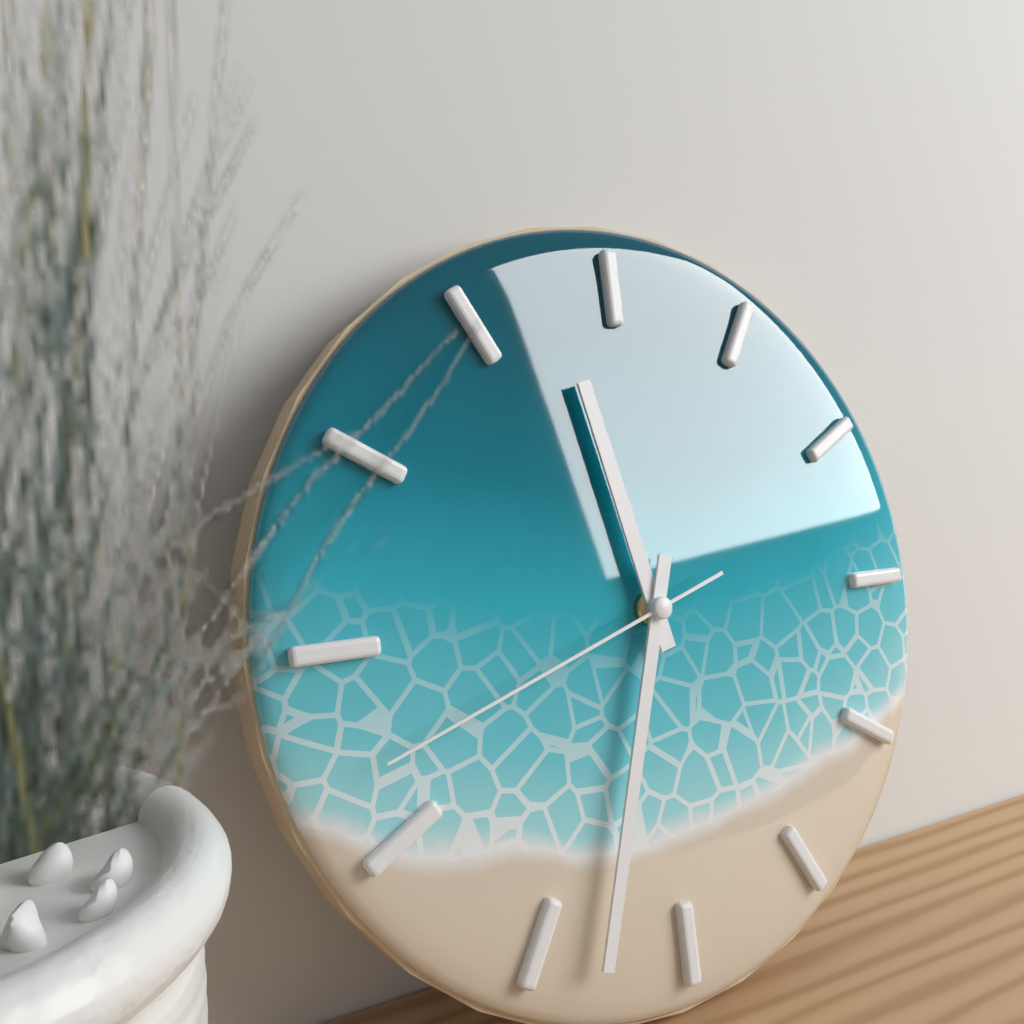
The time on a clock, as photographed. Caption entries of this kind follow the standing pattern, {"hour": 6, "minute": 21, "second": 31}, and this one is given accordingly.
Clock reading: {"hour": 11, "minute": 33, "second": 42}
